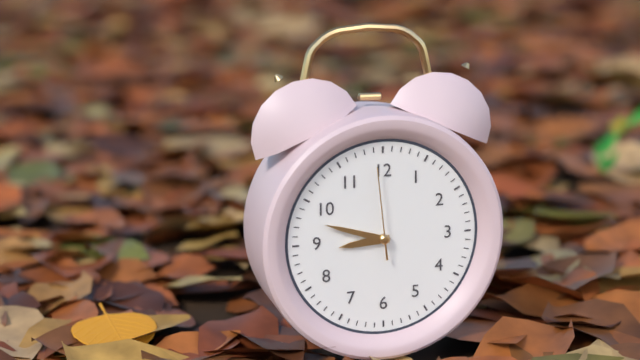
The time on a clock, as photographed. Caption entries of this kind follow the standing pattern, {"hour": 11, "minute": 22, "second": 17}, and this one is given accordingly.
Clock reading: {"hour": 8, "minute": 48, "second": 59}
